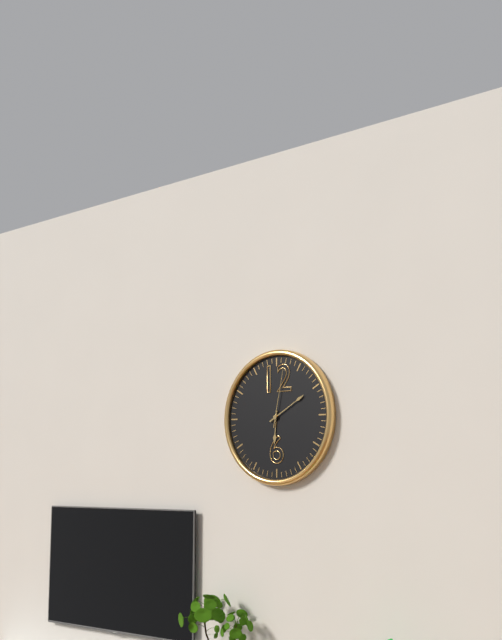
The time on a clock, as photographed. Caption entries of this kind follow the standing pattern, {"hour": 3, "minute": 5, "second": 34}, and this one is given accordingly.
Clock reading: {"hour": 6, "minute": 10, "second": 2}
